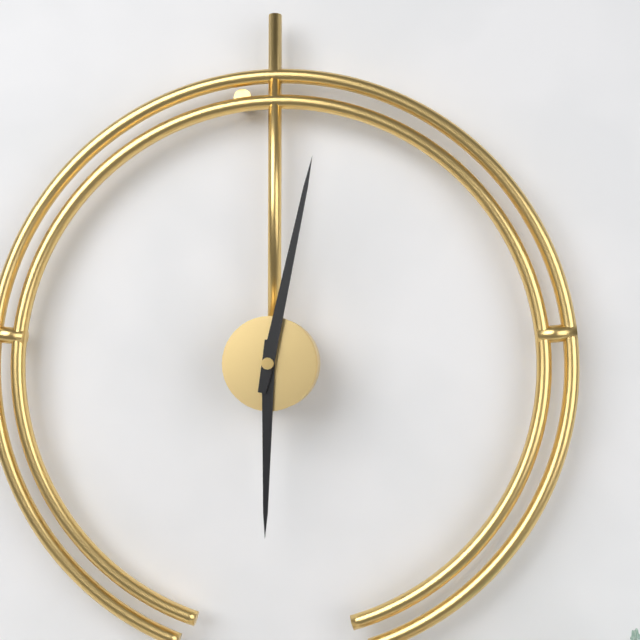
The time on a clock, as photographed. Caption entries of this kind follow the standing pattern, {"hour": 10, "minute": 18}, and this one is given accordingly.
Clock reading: {"hour": 6, "minute": 2}
